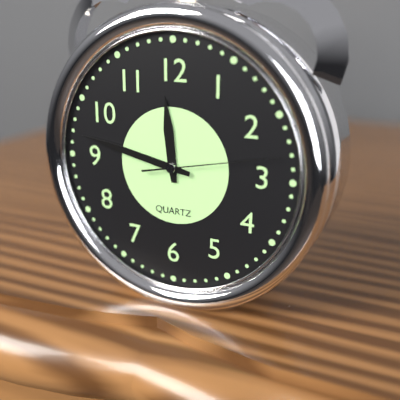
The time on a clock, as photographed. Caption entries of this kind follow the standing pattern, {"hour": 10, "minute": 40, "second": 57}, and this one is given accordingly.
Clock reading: {"hour": 11, "minute": 47, "second": 13}
